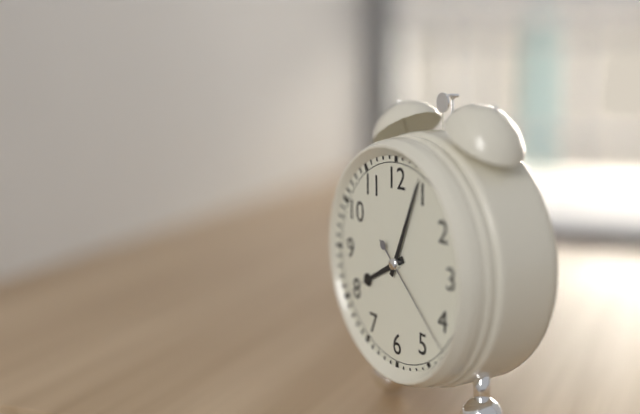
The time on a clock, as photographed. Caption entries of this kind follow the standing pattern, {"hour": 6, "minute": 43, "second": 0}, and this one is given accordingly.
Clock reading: {"hour": 8, "minute": 4, "second": 22}
